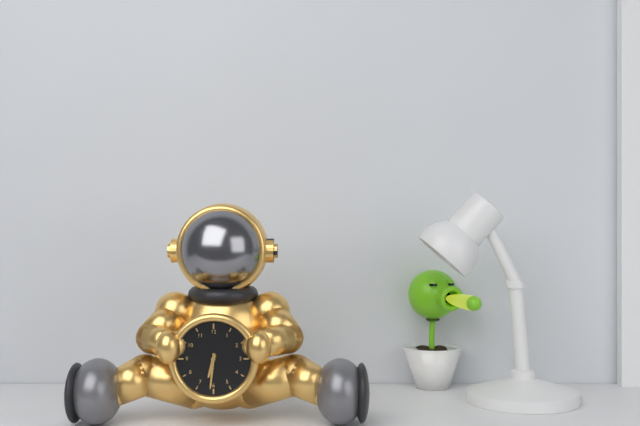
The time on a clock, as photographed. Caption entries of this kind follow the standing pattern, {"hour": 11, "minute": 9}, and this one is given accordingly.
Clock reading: {"hour": 6, "minute": 31}
